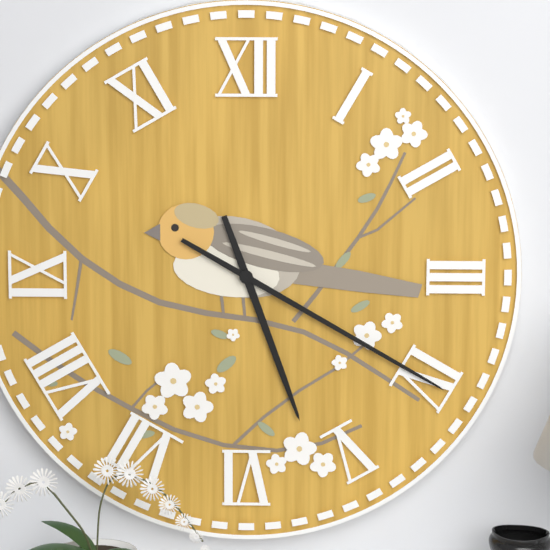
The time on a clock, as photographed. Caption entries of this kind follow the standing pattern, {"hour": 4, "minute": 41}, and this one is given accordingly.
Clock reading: {"hour": 5, "minute": 20}
